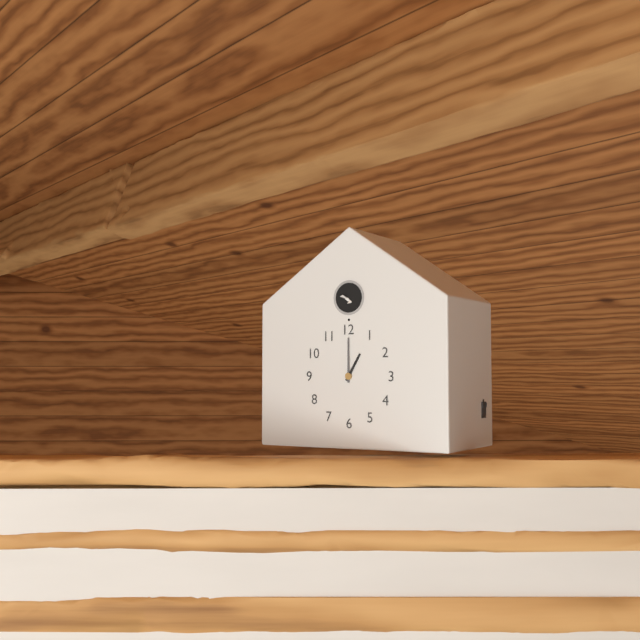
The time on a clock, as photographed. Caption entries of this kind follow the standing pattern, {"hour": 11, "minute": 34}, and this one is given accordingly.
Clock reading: {"hour": 1, "minute": 0}
